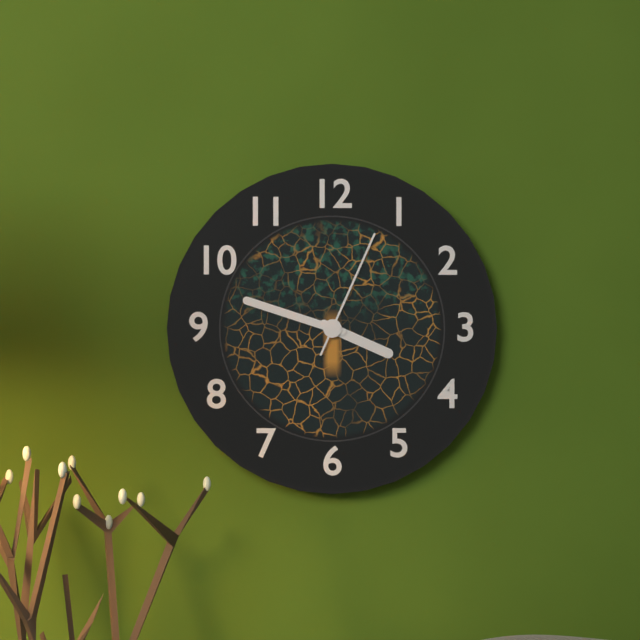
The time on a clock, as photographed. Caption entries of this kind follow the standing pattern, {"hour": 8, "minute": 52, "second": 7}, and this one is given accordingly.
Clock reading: {"hour": 3, "minute": 48, "second": 4}
